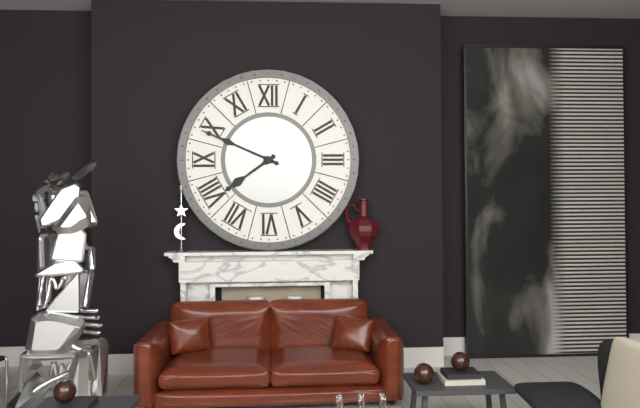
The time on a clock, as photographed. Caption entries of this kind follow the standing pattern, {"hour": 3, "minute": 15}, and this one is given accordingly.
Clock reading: {"hour": 7, "minute": 49}
